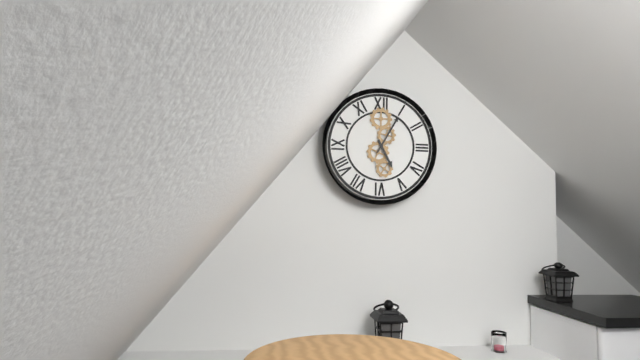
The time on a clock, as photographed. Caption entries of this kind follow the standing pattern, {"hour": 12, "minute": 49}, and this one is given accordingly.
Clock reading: {"hour": 5, "minute": 5}
